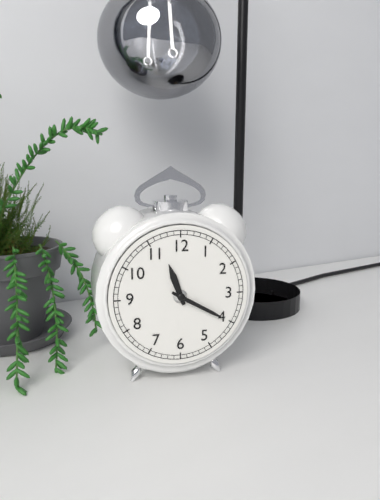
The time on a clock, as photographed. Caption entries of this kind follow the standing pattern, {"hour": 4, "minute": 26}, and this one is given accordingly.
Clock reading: {"hour": 11, "minute": 20}
